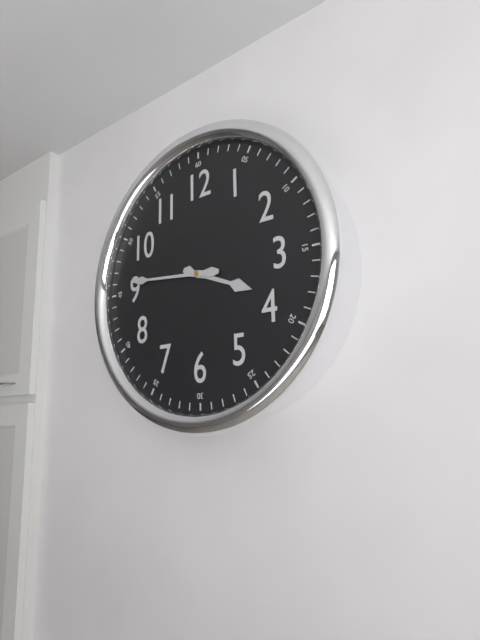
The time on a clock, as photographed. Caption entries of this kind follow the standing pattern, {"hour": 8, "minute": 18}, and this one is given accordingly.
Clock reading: {"hour": 3, "minute": 46}
